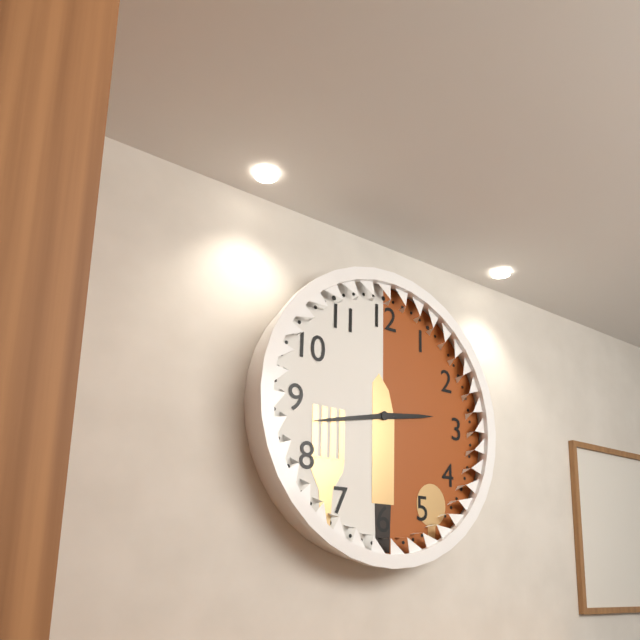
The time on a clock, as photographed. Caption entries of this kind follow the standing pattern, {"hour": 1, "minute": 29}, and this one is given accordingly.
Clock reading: {"hour": 2, "minute": 43}
